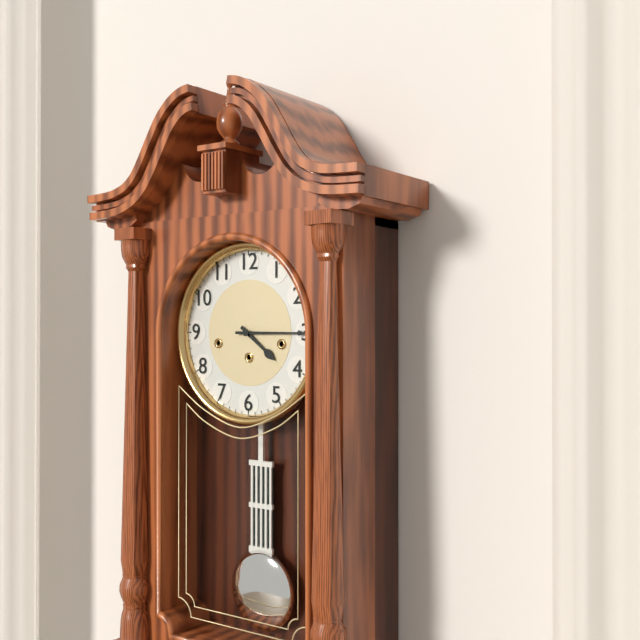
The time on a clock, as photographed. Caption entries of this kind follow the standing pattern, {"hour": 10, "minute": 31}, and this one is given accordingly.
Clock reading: {"hour": 4, "minute": 15}
